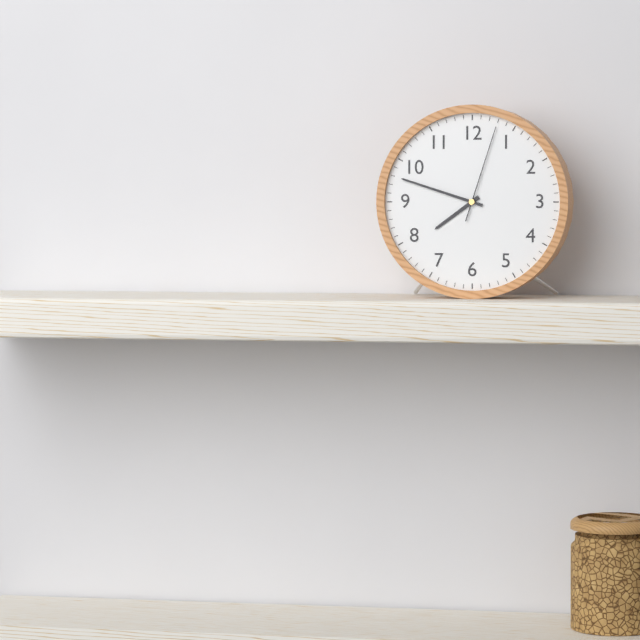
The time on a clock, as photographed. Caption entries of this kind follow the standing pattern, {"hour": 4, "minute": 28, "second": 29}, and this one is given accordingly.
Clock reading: {"hour": 7, "minute": 48, "second": 3}
